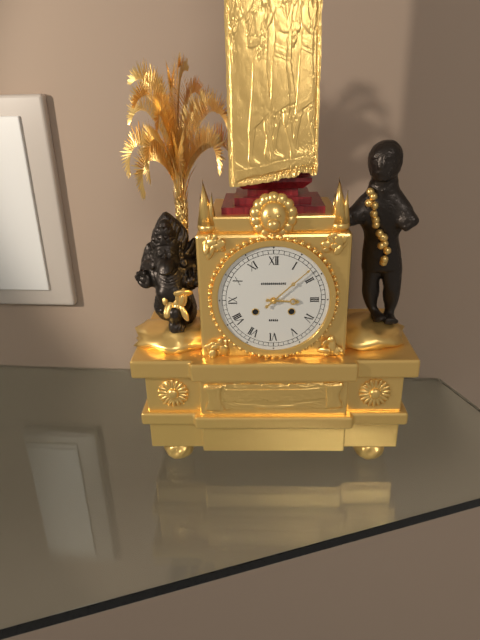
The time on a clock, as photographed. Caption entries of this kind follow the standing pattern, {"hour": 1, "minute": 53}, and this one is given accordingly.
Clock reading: {"hour": 3, "minute": 8}
